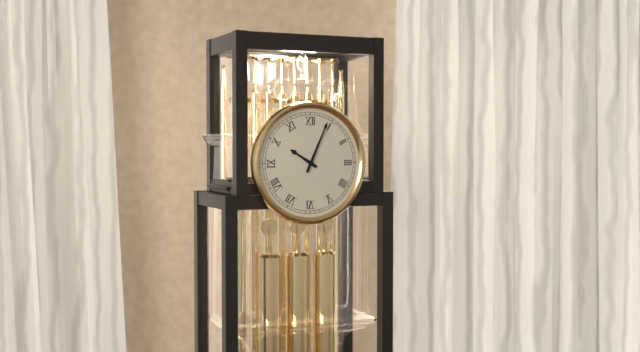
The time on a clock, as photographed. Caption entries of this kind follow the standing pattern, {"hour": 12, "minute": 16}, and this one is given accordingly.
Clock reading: {"hour": 10, "minute": 4}
